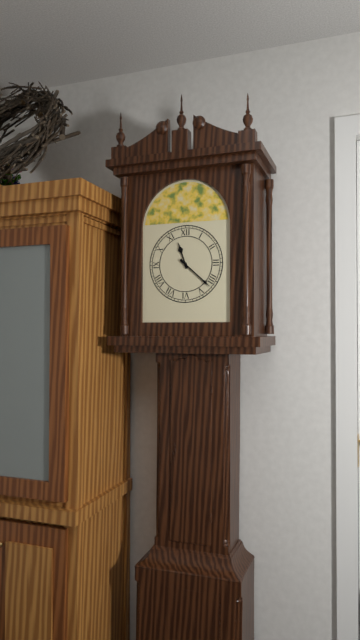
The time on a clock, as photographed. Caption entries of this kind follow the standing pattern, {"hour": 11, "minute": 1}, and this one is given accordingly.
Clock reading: {"hour": 11, "minute": 22}
